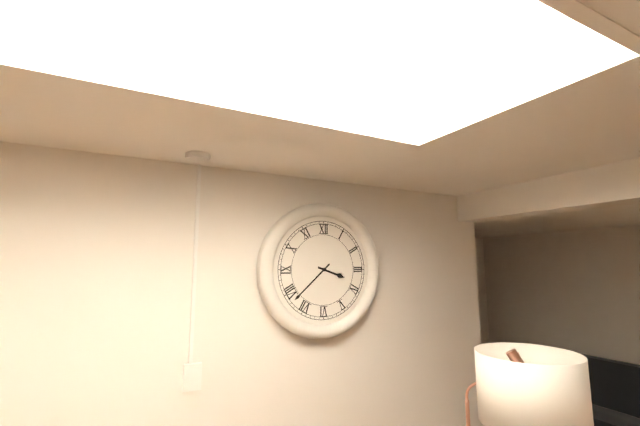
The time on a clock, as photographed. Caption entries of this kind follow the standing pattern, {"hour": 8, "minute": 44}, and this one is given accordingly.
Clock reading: {"hour": 3, "minute": 38}
